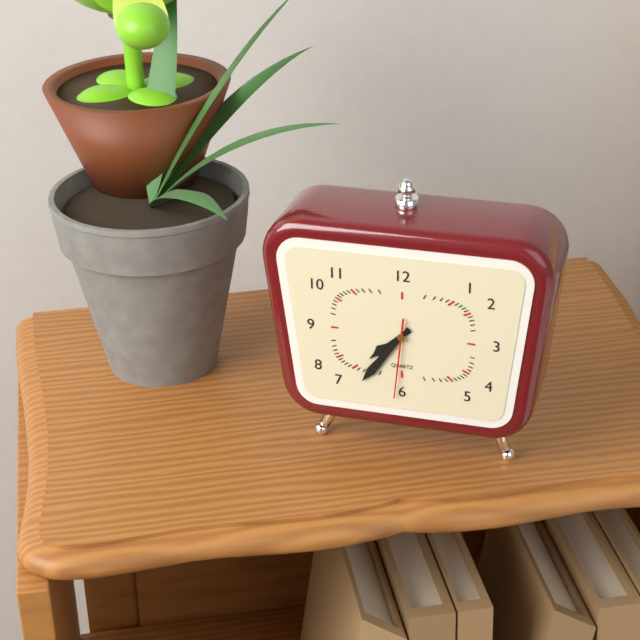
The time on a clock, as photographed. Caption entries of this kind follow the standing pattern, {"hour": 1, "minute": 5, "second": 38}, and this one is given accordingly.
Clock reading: {"hour": 7, "minute": 36, "second": 31}
